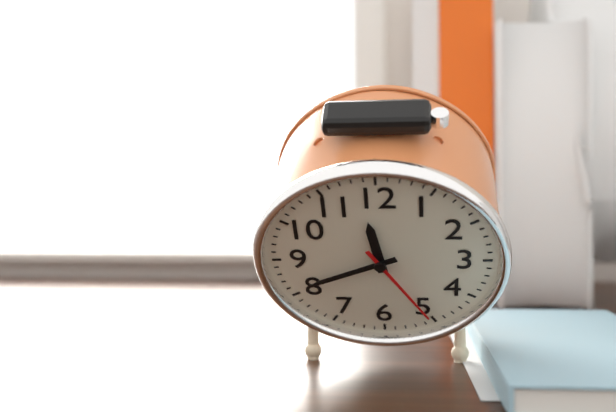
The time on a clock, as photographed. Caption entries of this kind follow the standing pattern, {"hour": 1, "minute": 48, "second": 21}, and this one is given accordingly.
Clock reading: {"hour": 11, "minute": 41, "second": 25}
